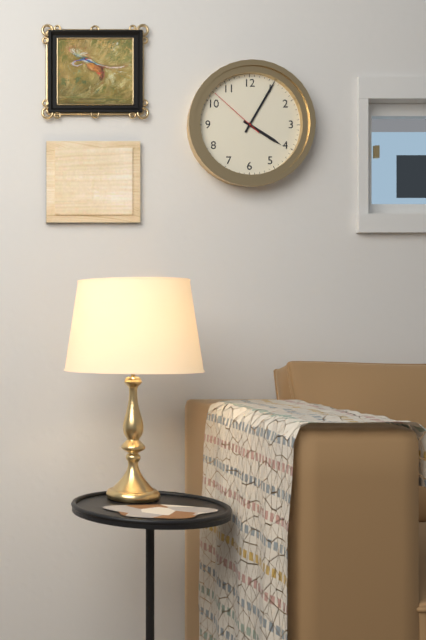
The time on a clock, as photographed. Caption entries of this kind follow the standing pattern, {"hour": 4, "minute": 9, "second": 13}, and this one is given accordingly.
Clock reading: {"hour": 4, "minute": 5, "second": 52}
